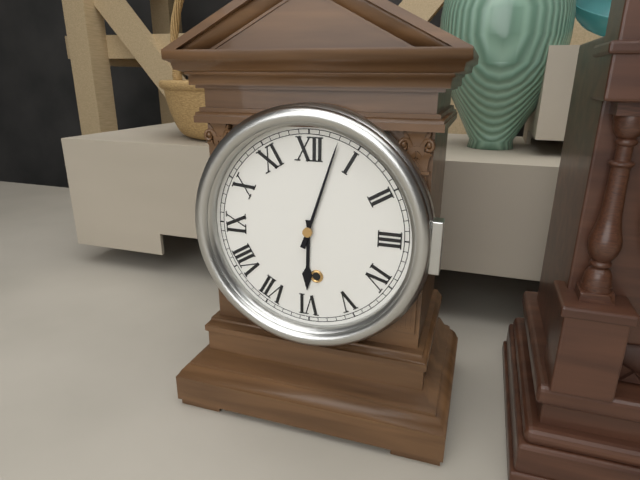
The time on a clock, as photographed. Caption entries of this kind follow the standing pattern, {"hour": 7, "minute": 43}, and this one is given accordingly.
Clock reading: {"hour": 6, "minute": 3}
